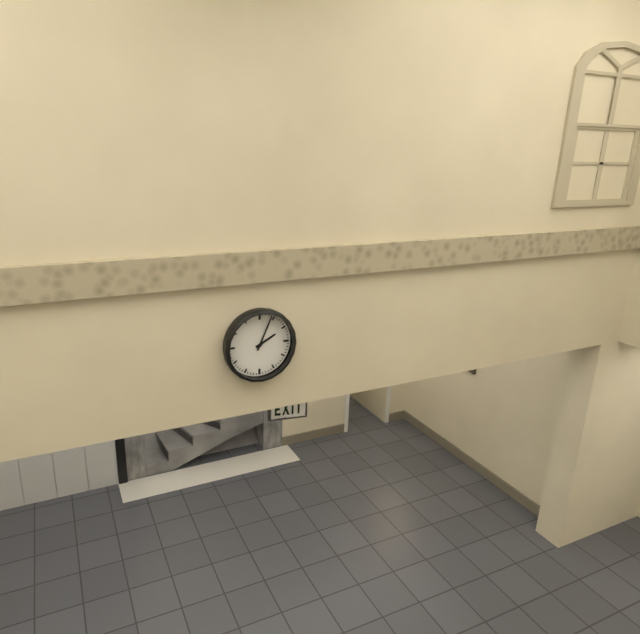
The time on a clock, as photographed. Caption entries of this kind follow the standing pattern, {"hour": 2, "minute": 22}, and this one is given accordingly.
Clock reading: {"hour": 2, "minute": 4}
